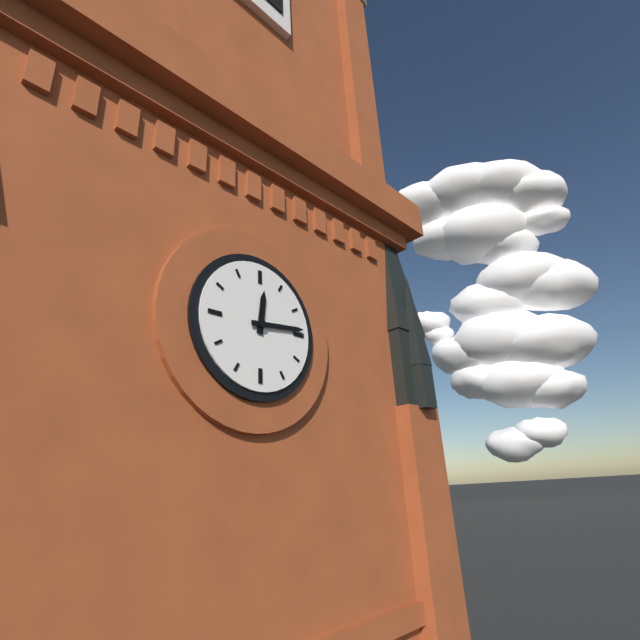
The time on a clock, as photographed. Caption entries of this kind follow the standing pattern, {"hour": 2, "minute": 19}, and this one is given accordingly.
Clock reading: {"hour": 12, "minute": 14}
